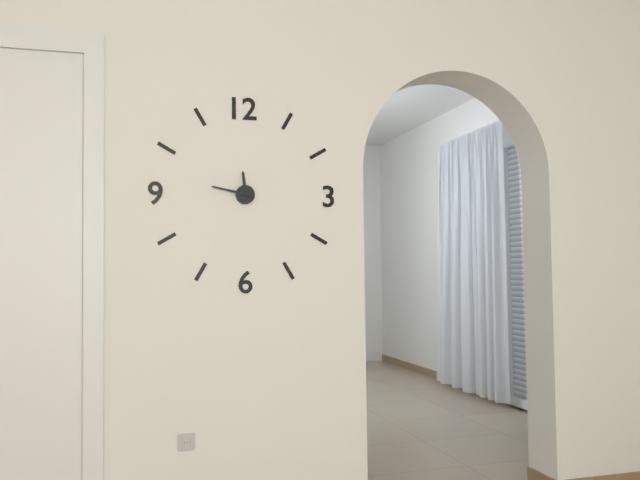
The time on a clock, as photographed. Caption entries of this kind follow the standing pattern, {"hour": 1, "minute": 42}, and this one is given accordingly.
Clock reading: {"hour": 11, "minute": 47}
